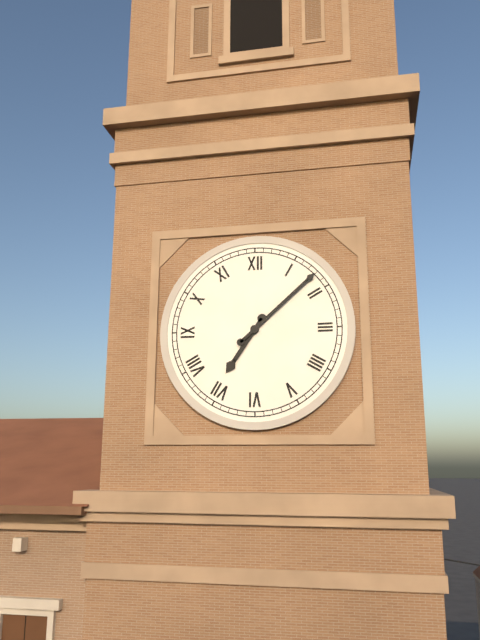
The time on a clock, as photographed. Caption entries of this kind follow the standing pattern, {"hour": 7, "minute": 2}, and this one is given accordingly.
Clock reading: {"hour": 7, "minute": 8}
